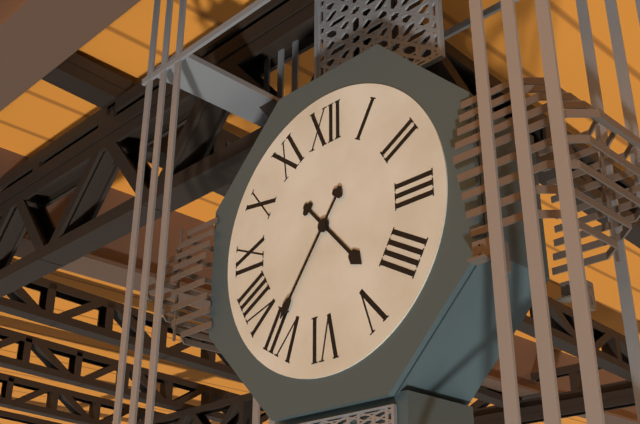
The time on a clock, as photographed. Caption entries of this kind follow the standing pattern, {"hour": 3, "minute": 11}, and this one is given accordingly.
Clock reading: {"hour": 4, "minute": 36}
